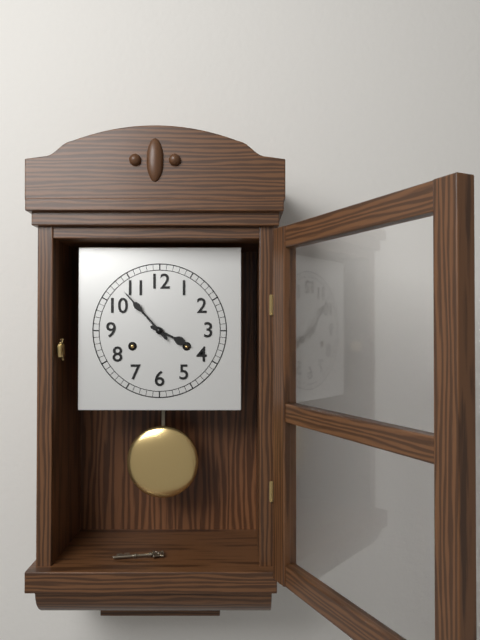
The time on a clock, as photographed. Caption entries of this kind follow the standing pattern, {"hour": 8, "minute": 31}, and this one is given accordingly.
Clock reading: {"hour": 3, "minute": 53}
